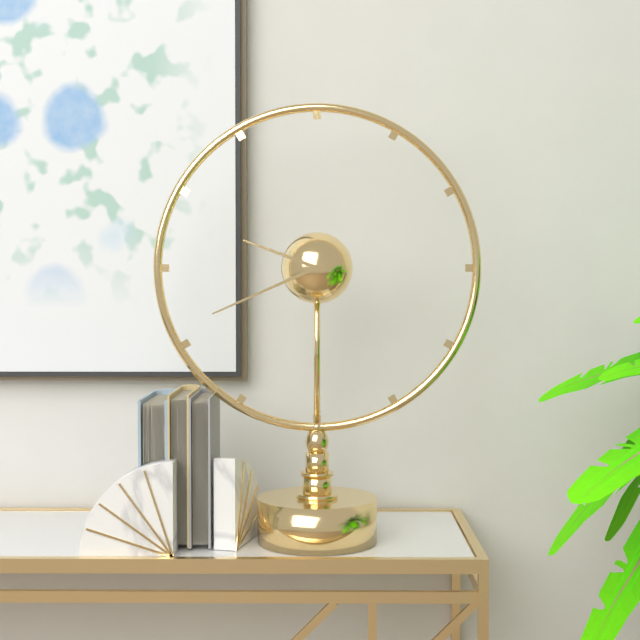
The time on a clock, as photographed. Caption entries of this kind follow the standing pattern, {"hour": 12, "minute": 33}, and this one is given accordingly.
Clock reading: {"hour": 9, "minute": 41}
